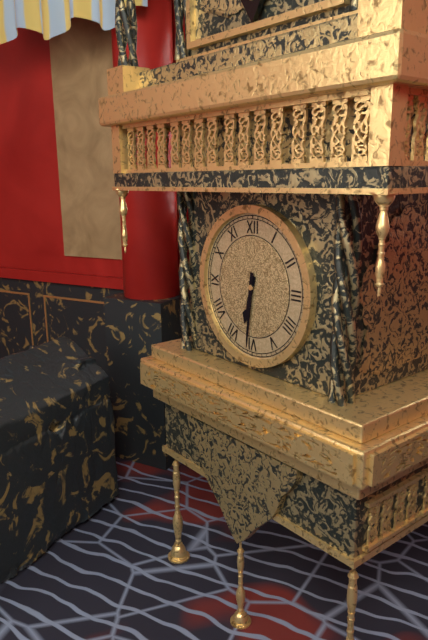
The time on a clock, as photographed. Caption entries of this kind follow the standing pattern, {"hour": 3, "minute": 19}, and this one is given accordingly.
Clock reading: {"hour": 6, "minute": 31}
